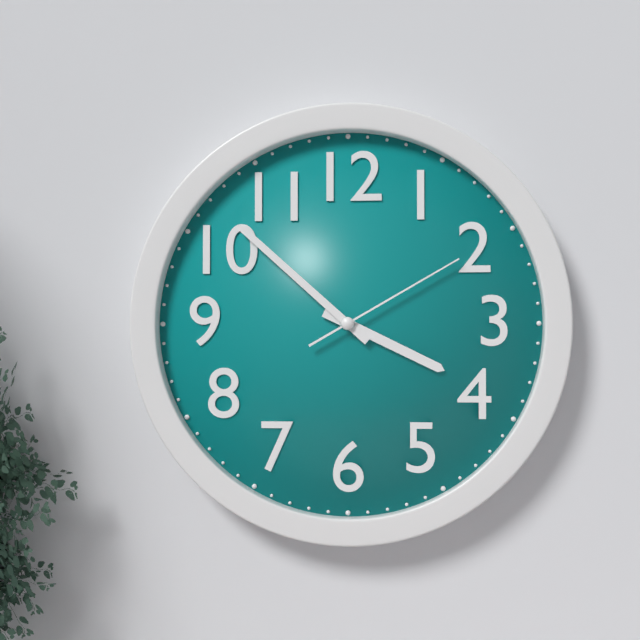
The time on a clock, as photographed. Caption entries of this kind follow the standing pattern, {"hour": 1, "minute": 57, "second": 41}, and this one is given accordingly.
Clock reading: {"hour": 3, "minute": 52, "second": 10}
